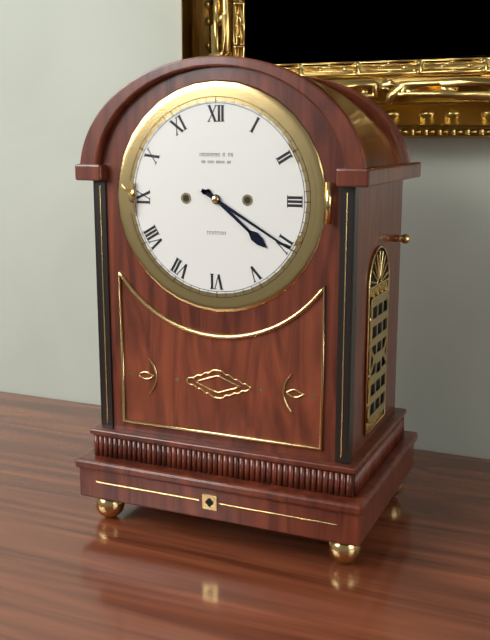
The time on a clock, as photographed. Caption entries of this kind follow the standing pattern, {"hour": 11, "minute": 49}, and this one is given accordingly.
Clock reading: {"hour": 4, "minute": 20}
